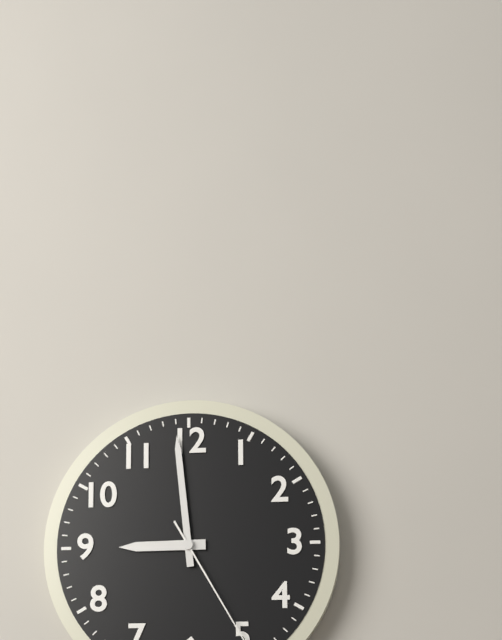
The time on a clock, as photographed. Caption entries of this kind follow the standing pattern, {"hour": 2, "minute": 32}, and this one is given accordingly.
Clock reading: {"hour": 8, "minute": 59}
